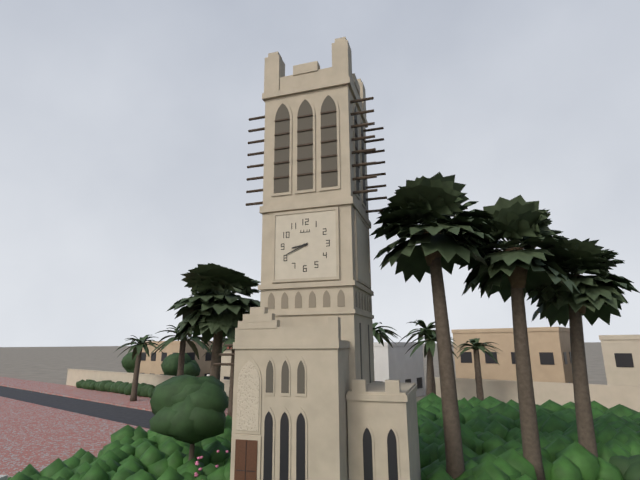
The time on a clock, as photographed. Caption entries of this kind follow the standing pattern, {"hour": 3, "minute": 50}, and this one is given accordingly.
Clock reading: {"hour": 8, "minute": 41}
